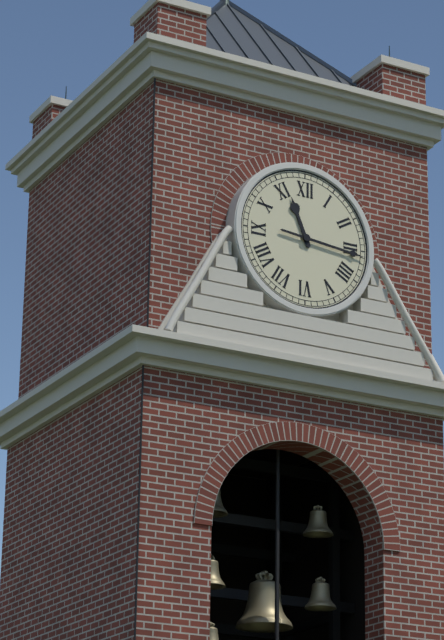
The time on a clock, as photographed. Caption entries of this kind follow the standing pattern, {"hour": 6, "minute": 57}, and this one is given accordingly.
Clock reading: {"hour": 11, "minute": 16}
